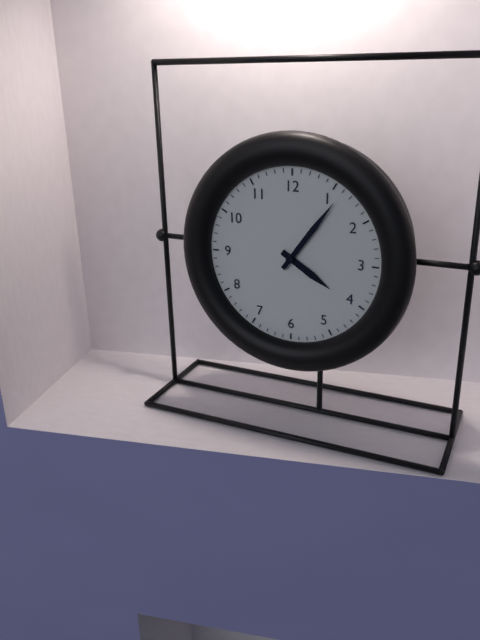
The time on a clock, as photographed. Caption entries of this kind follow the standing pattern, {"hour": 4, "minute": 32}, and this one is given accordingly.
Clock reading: {"hour": 4, "minute": 6}
